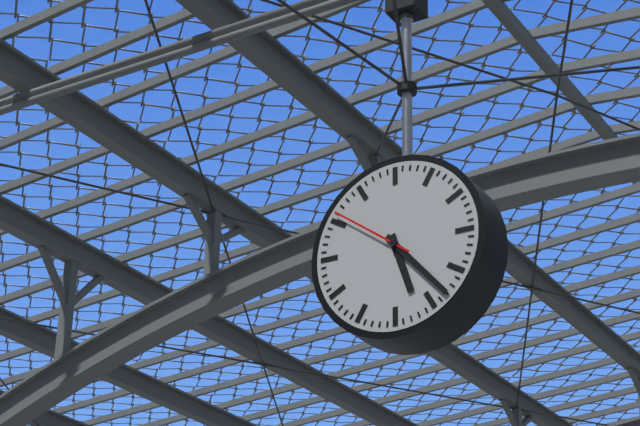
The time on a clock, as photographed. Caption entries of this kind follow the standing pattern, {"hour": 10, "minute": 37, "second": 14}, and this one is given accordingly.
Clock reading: {"hour": 5, "minute": 23, "second": 51}
